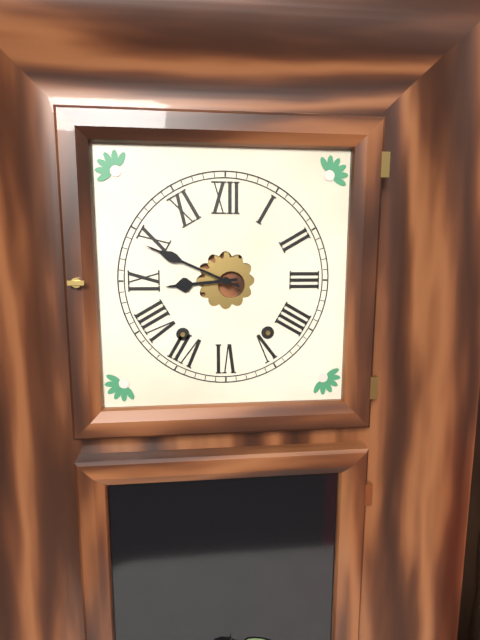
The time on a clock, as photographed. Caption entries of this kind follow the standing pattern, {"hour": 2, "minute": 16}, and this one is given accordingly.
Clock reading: {"hour": 8, "minute": 49}
